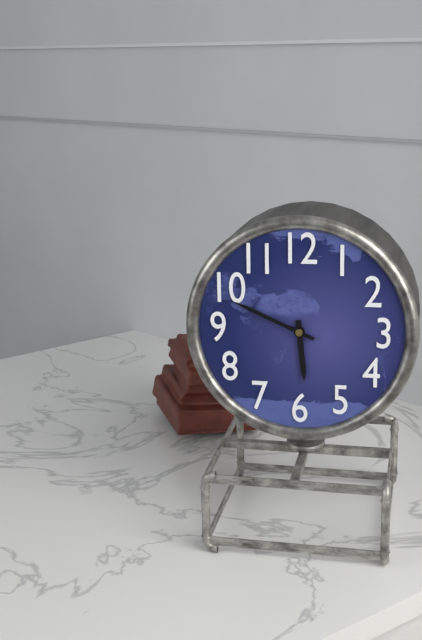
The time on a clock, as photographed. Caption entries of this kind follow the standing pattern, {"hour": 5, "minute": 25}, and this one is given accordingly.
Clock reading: {"hour": 5, "minute": 49}
